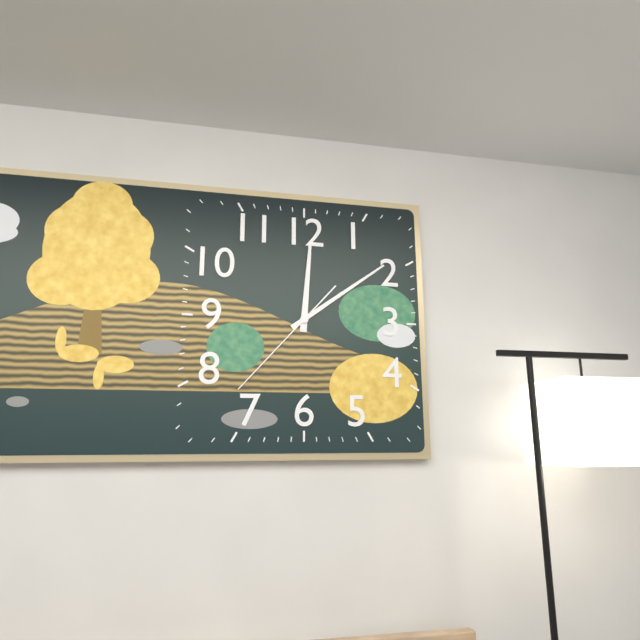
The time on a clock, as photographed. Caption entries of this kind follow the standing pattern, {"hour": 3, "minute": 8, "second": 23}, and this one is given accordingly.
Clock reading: {"hour": 12, "minute": 9, "second": 37}
